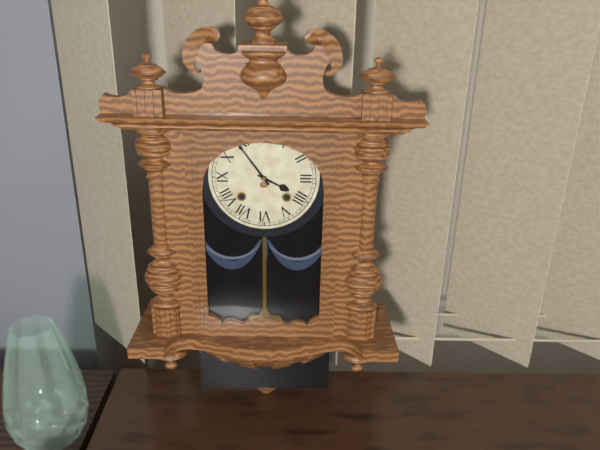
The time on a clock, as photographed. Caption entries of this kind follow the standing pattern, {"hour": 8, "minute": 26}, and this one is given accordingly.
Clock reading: {"hour": 3, "minute": 54}
